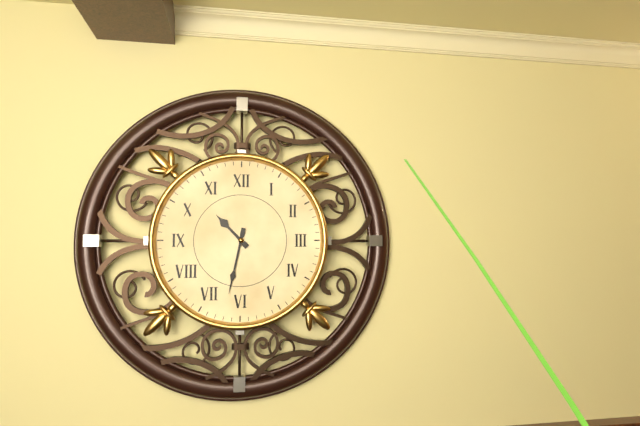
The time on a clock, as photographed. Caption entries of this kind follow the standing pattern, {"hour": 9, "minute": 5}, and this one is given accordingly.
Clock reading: {"hour": 10, "minute": 32}
